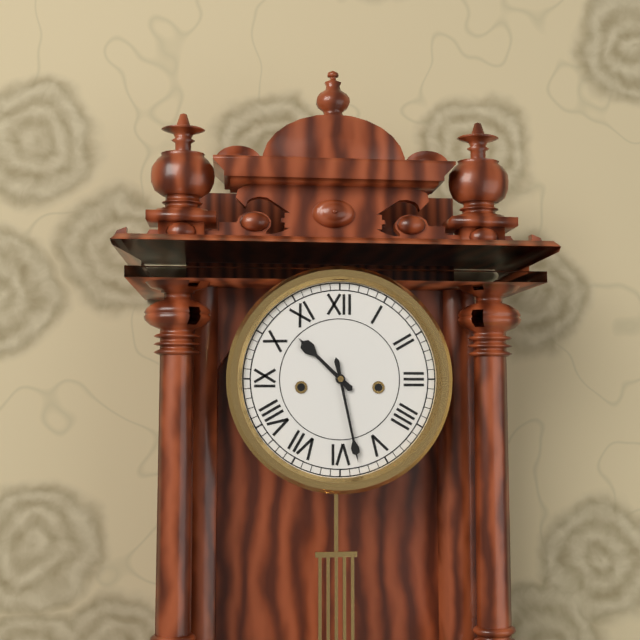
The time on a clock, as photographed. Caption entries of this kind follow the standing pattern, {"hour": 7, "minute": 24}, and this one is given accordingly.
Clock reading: {"hour": 10, "minute": 28}
